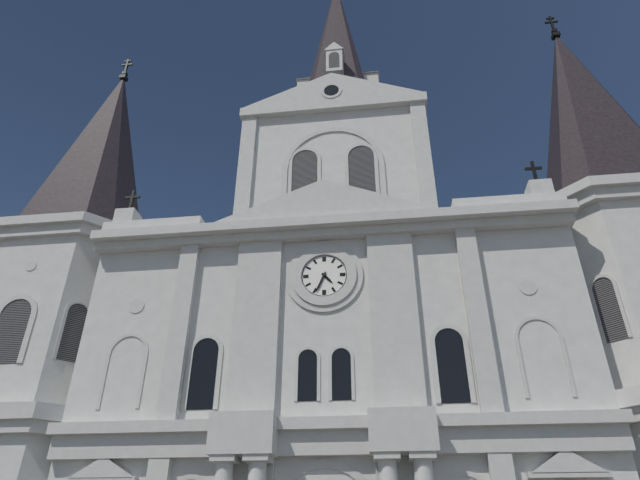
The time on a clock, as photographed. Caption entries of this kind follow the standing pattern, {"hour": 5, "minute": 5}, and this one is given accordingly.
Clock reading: {"hour": 4, "minute": 34}
